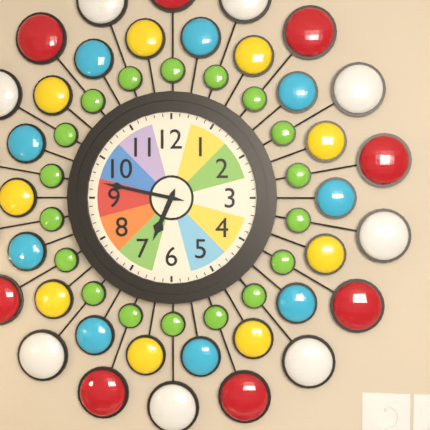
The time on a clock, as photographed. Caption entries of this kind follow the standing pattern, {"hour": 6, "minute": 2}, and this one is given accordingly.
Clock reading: {"hour": 6, "minute": 47}
